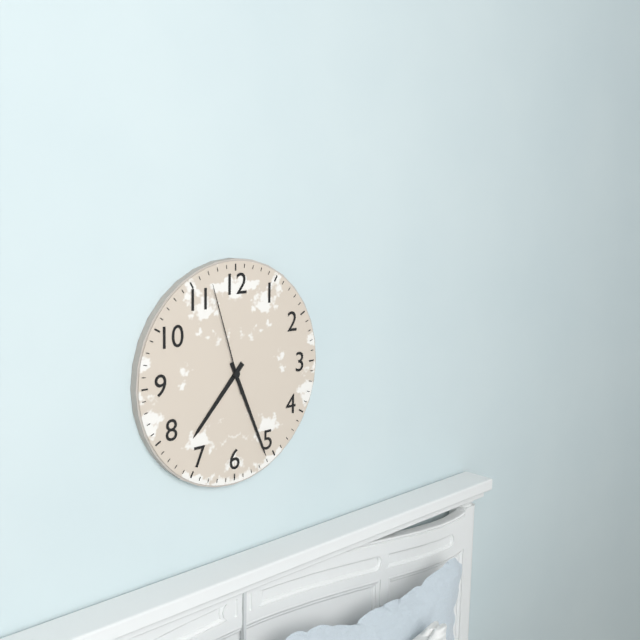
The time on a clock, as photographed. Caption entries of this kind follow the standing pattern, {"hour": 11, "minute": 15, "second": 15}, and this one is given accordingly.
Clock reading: {"hour": 7, "minute": 26, "second": 57}
